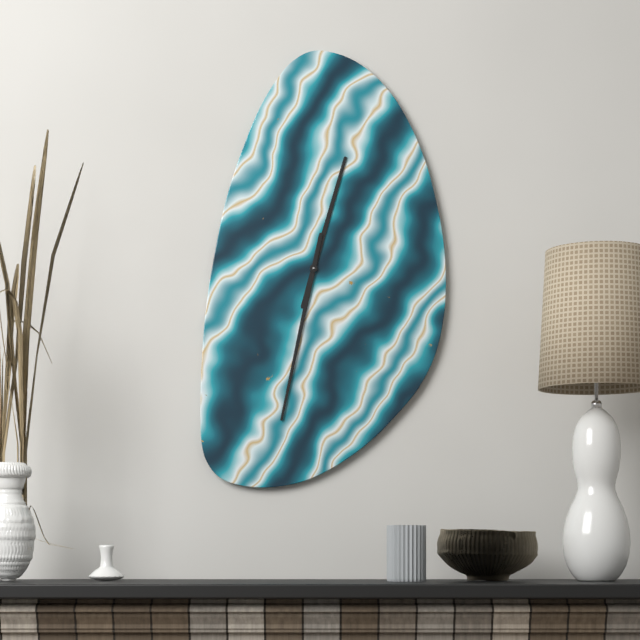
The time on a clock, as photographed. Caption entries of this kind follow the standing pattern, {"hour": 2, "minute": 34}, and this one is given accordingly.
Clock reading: {"hour": 12, "minute": 32}
